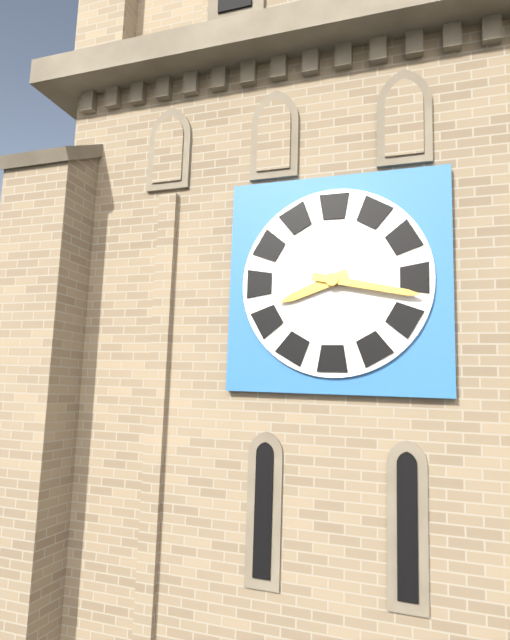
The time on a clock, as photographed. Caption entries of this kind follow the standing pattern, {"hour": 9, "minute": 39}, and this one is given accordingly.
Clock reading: {"hour": 8, "minute": 17}
